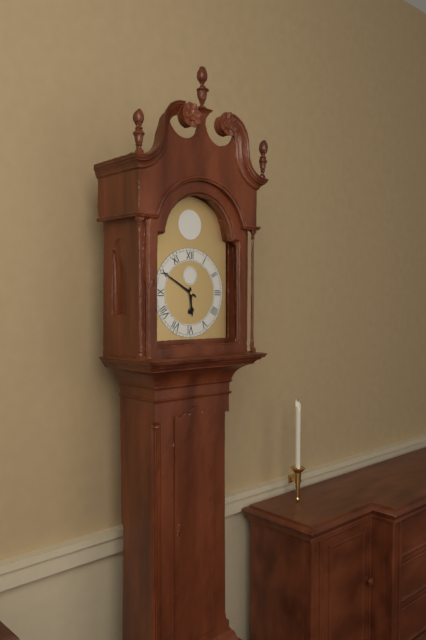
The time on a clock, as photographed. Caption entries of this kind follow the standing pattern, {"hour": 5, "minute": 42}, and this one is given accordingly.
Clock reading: {"hour": 5, "minute": 50}
